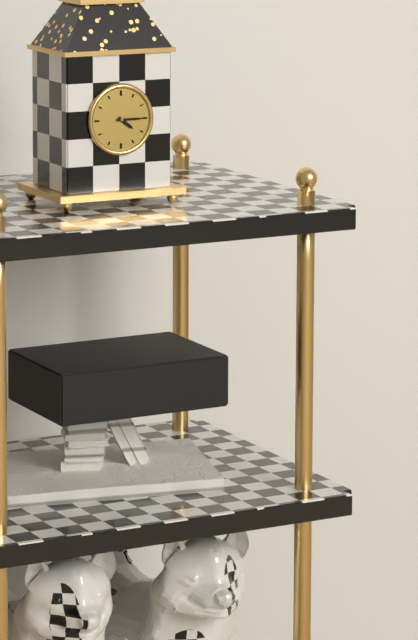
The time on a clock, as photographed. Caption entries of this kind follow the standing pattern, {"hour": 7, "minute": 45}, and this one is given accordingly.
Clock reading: {"hour": 4, "minute": 15}
